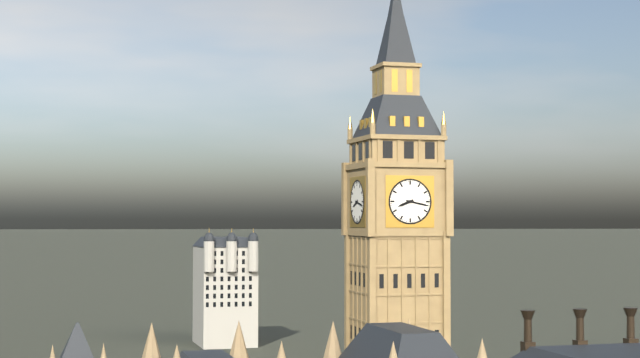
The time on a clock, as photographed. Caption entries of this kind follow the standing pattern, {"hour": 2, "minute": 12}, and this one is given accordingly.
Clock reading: {"hour": 8, "minute": 17}
